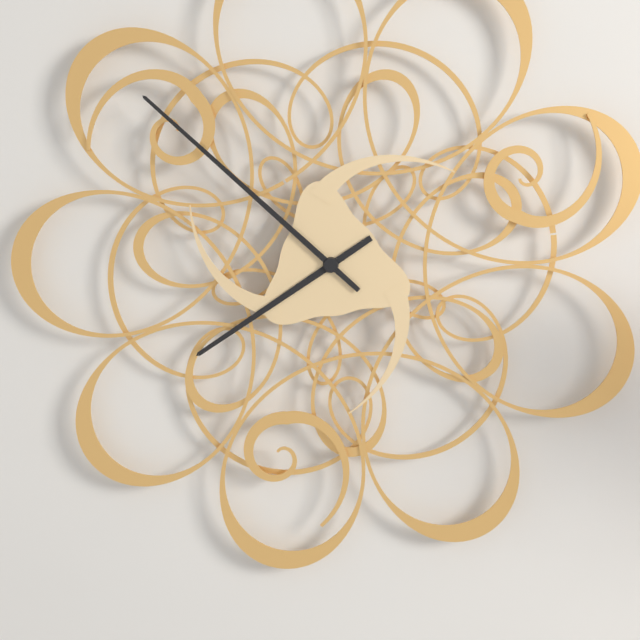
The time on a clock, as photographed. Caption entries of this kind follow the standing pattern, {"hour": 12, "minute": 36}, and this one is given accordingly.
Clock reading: {"hour": 7, "minute": 52}
